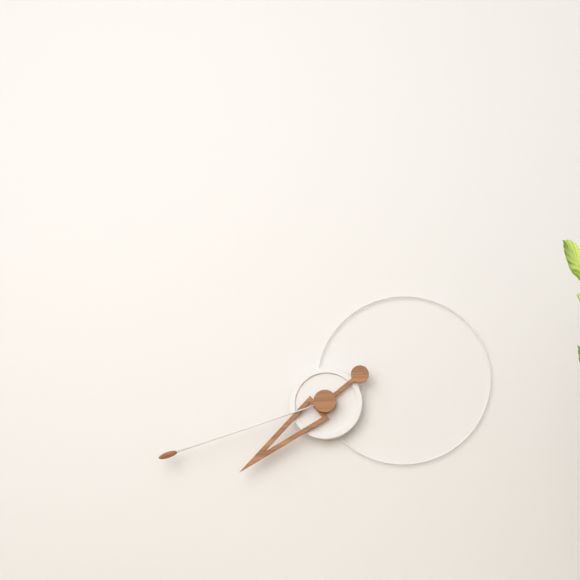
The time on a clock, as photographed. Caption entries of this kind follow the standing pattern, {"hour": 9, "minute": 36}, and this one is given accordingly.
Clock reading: {"hour": 7, "minute": 42}
